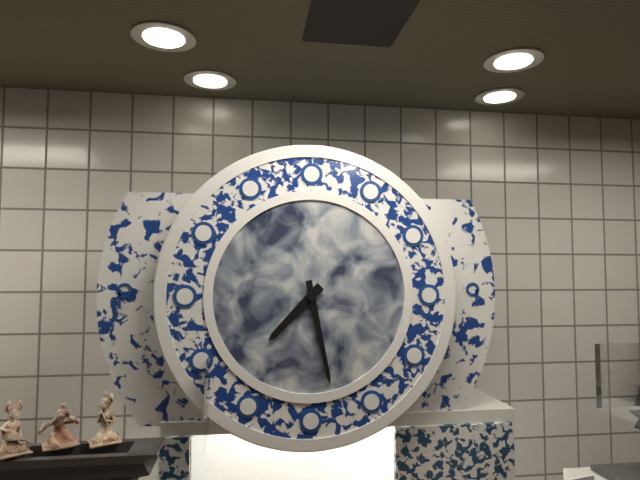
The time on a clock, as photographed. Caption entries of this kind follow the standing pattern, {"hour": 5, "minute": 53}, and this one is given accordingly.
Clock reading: {"hour": 7, "minute": 28}
